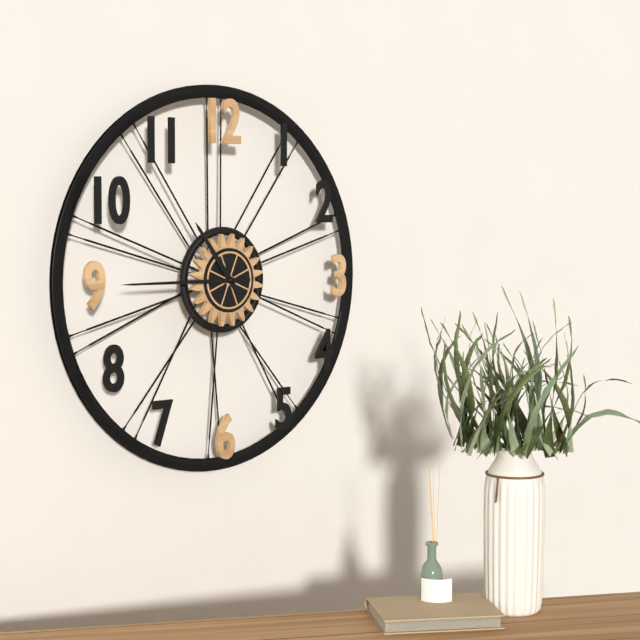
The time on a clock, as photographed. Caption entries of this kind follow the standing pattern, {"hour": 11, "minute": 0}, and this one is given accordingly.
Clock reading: {"hour": 10, "minute": 45}
